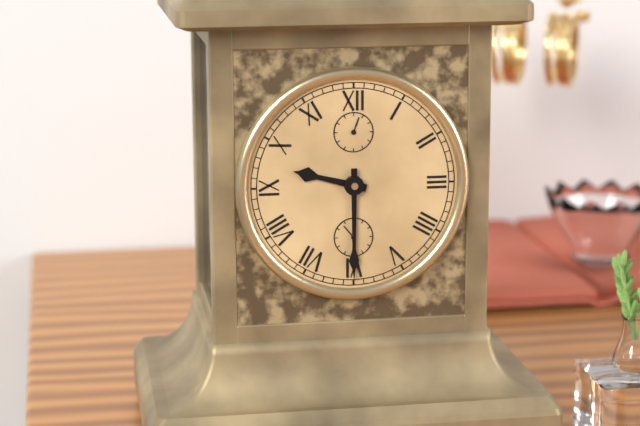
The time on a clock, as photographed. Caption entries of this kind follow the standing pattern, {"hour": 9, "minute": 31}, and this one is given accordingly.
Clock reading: {"hour": 9, "minute": 30}
